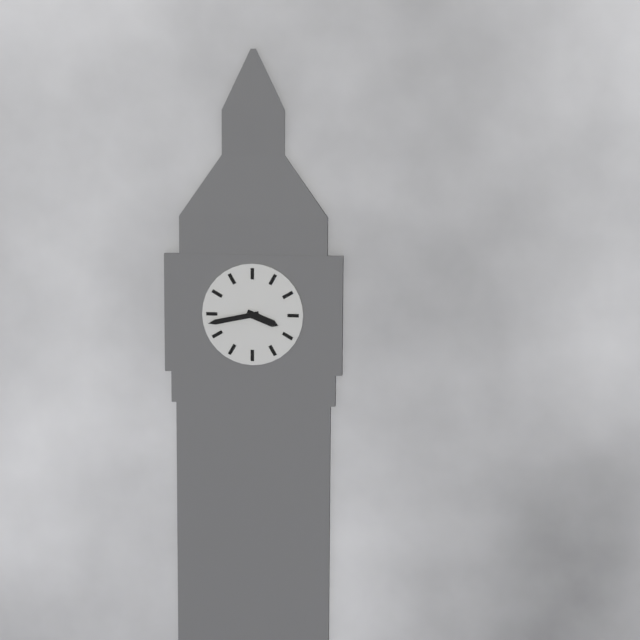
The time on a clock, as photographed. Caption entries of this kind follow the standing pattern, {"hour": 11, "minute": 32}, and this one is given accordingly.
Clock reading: {"hour": 3, "minute": 43}
